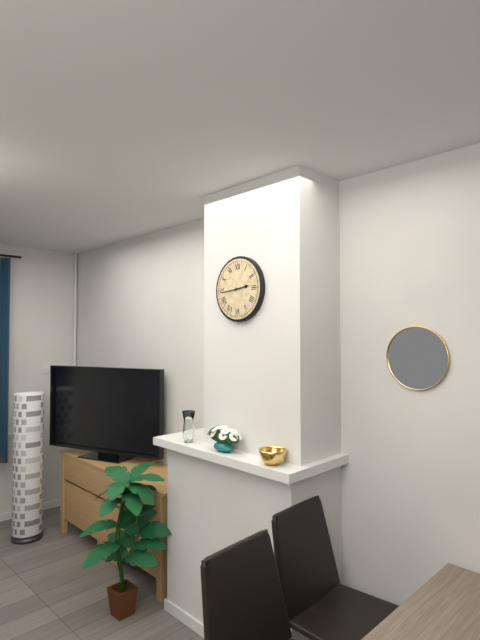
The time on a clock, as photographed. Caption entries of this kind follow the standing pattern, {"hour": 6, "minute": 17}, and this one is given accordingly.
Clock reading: {"hour": 2, "minute": 44}
